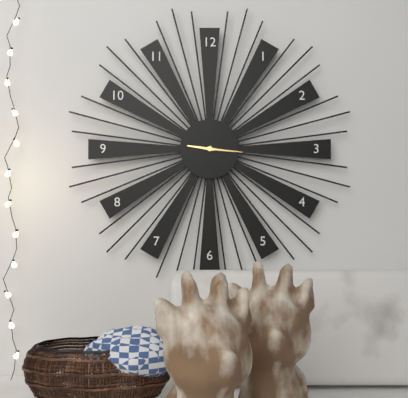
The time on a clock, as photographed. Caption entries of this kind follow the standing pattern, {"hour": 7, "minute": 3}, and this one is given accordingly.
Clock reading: {"hour": 9, "minute": 16}
